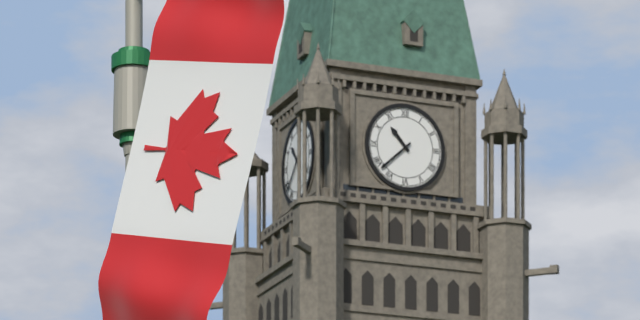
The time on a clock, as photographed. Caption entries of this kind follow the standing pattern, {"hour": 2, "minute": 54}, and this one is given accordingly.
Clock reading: {"hour": 10, "minute": 38}
